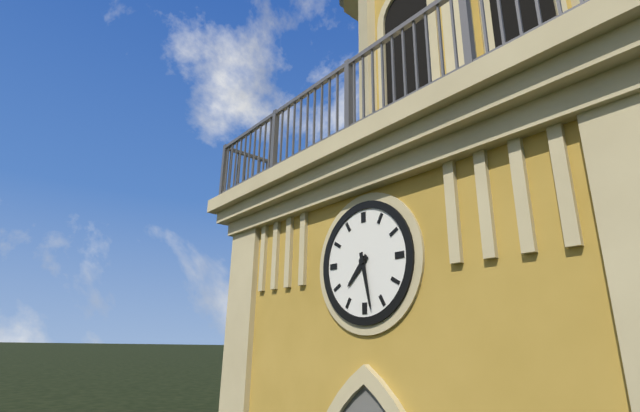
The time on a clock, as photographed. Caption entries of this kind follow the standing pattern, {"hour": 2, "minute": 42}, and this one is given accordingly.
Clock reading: {"hour": 7, "minute": 28}
